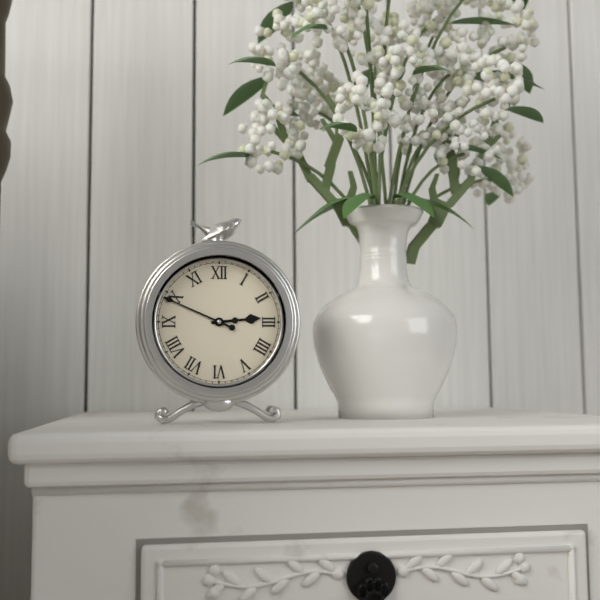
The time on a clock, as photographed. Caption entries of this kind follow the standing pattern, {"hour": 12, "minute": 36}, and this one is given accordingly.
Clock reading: {"hour": 2, "minute": 49}
